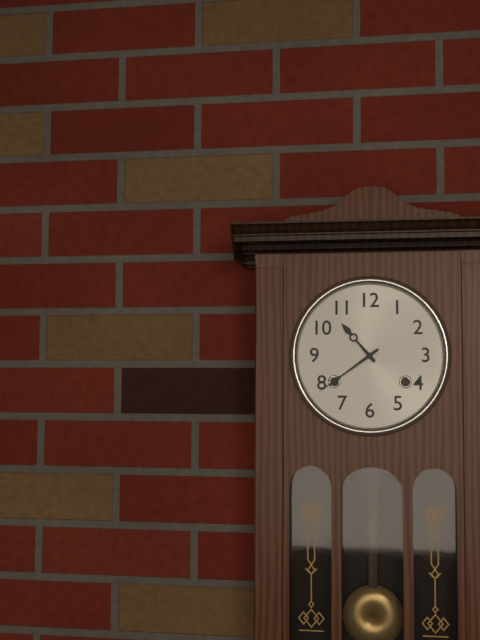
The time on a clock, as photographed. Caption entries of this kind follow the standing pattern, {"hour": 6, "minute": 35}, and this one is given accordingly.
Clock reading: {"hour": 10, "minute": 39}
